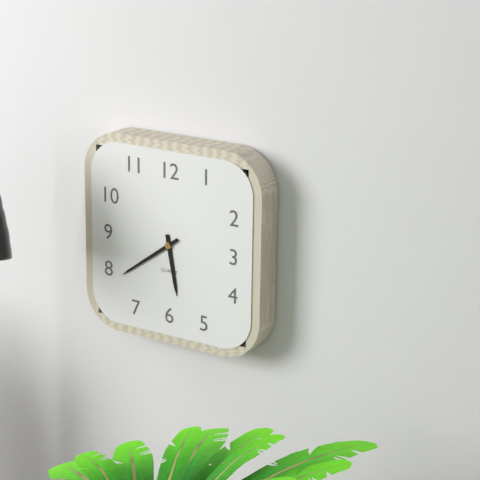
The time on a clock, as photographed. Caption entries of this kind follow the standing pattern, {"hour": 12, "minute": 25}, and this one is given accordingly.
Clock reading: {"hour": 5, "minute": 39}
